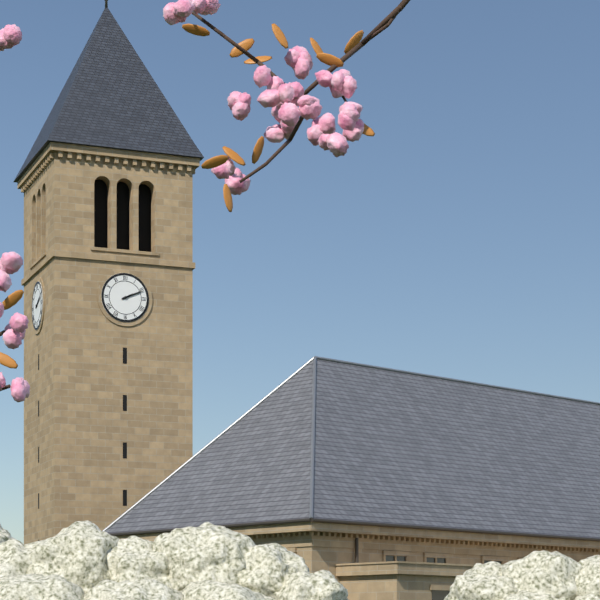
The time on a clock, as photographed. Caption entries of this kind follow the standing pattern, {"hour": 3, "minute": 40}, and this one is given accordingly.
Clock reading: {"hour": 2, "minute": 11}
